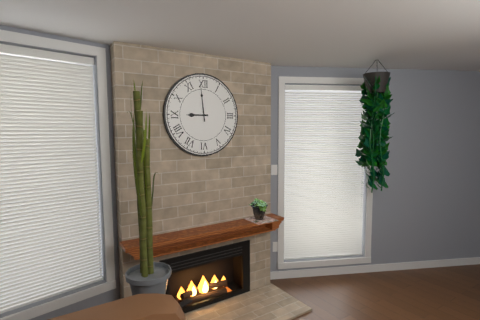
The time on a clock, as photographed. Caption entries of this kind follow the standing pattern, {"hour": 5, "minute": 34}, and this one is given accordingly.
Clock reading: {"hour": 8, "minute": 59}
